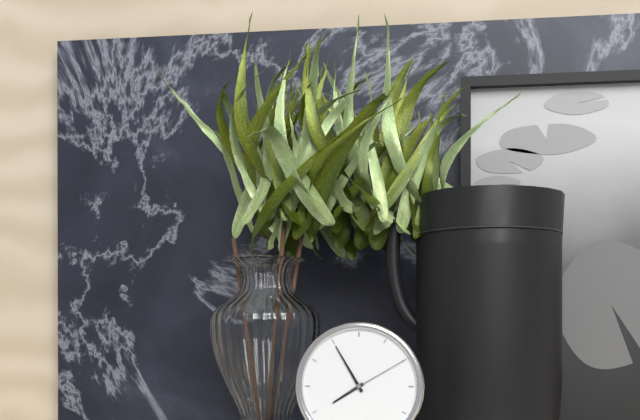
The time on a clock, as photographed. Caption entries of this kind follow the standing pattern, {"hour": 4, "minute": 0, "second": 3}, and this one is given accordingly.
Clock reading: {"hour": 7, "minute": 55, "second": 10}
